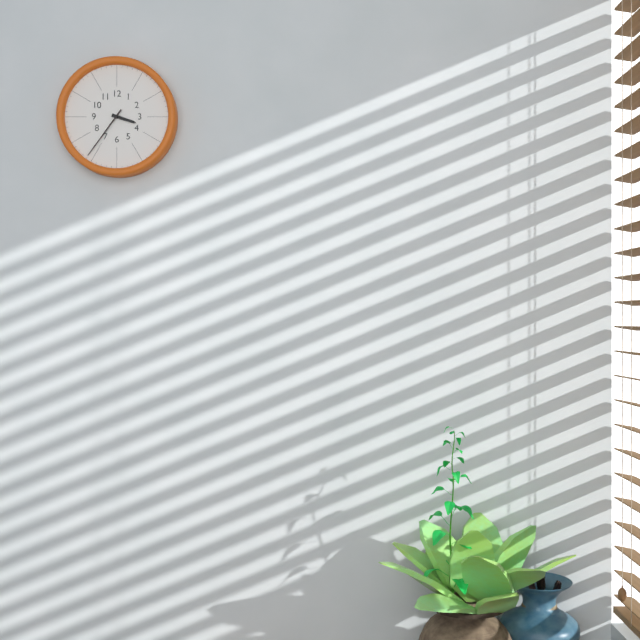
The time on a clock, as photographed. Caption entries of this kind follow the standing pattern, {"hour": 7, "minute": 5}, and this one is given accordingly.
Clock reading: {"hour": 3, "minute": 36}
